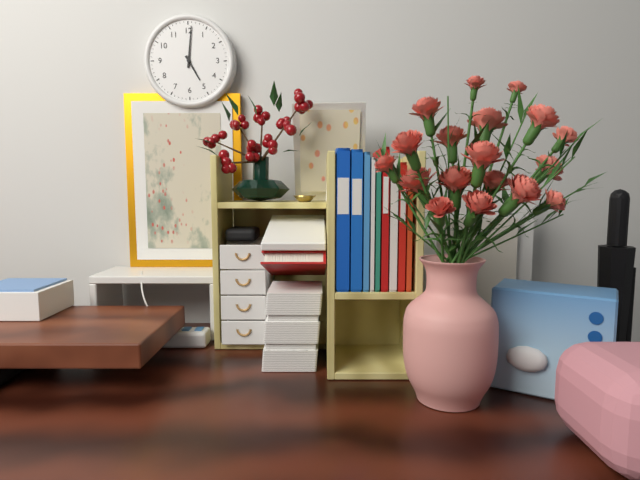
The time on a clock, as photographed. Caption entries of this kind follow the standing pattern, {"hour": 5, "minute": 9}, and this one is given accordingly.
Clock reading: {"hour": 5, "minute": 1}
